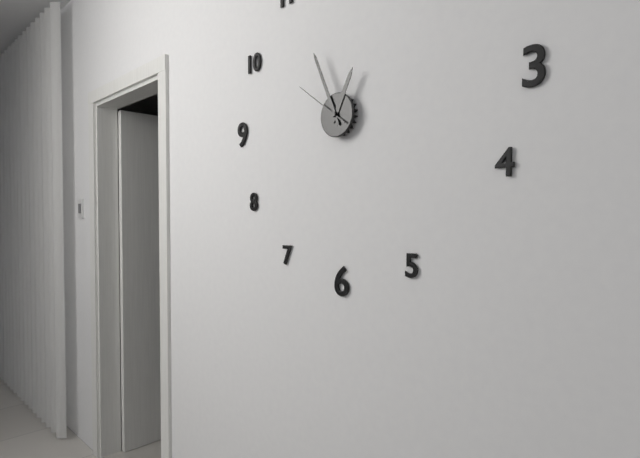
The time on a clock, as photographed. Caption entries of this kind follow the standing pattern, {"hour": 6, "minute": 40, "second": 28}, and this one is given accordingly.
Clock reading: {"hour": 12, "minute": 56, "second": 51}
